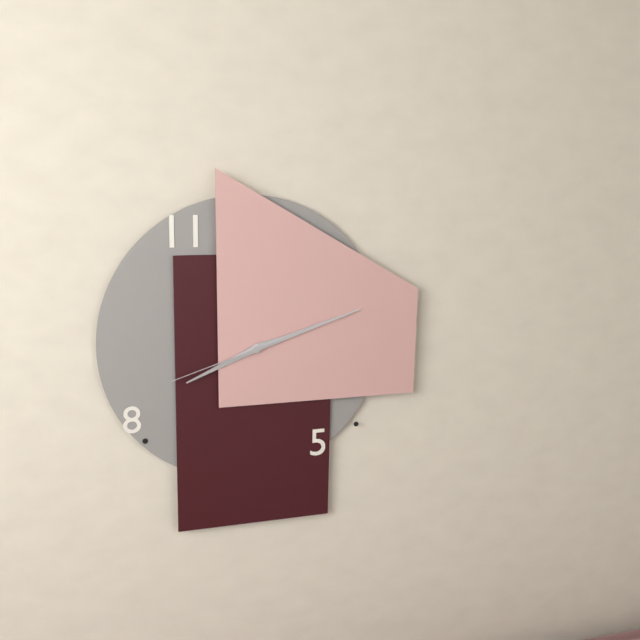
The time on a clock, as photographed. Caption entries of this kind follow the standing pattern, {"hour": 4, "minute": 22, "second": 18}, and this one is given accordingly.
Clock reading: {"hour": 8, "minute": 12, "second": 42}
